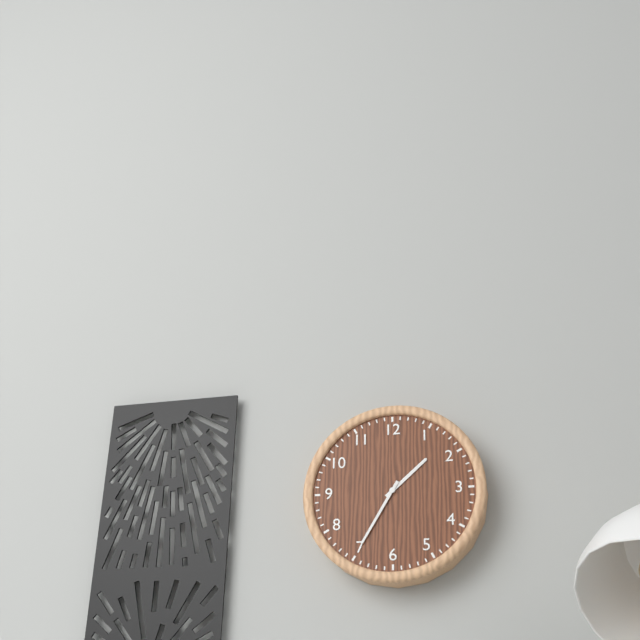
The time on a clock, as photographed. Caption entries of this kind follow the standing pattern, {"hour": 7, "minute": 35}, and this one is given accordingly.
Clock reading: {"hour": 1, "minute": 35}
